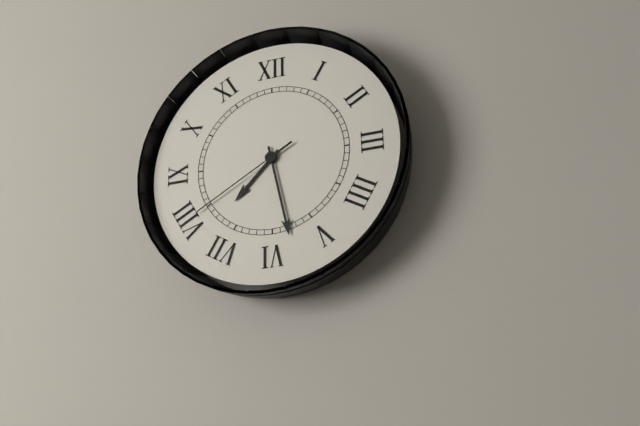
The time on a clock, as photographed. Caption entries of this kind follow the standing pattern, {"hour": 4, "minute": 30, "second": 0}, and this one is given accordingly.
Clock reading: {"hour": 7, "minute": 28, "second": 40}
